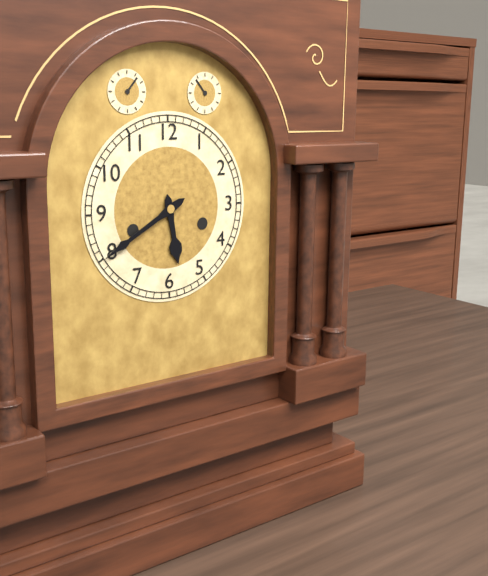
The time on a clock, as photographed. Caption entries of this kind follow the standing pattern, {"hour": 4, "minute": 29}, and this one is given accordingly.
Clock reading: {"hour": 5, "minute": 40}
